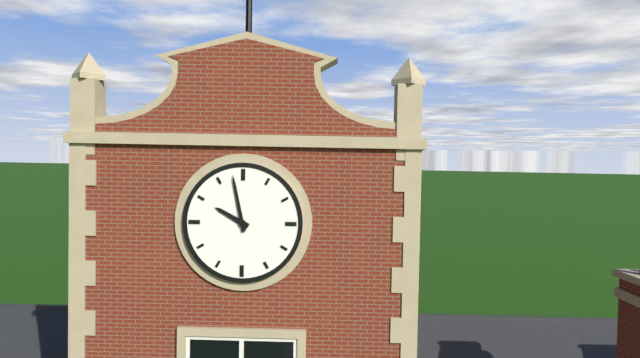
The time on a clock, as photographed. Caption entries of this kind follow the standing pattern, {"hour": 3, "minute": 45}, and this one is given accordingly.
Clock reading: {"hour": 9, "minute": 58}
